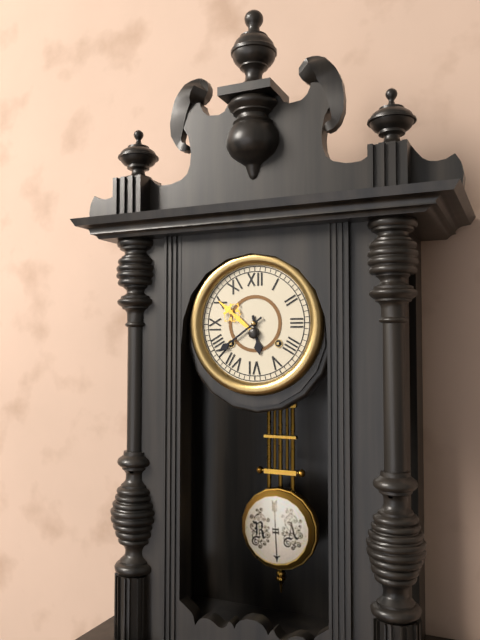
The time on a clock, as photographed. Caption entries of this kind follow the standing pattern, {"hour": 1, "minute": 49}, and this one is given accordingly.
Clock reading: {"hour": 5, "minute": 39}
